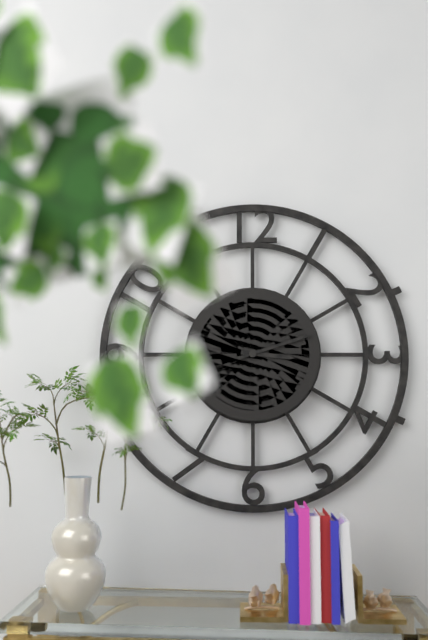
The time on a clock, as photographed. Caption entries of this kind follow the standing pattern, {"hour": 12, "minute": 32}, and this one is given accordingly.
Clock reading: {"hour": 3, "minute": 12}
